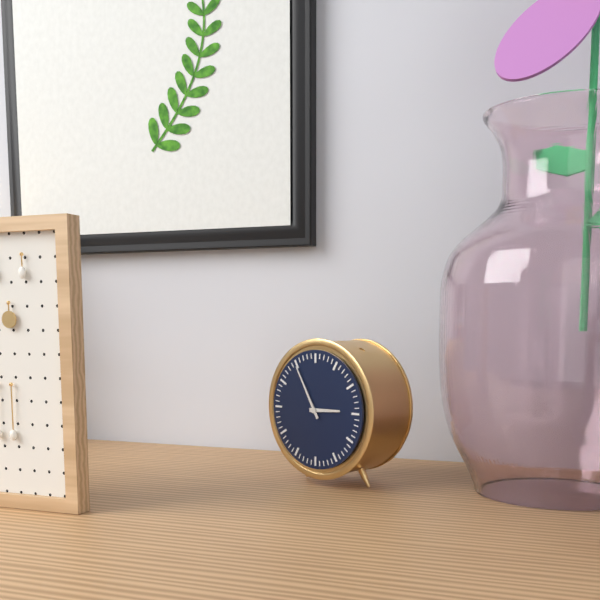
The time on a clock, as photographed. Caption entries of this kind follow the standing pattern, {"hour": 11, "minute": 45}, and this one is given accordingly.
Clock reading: {"hour": 2, "minute": 55}
